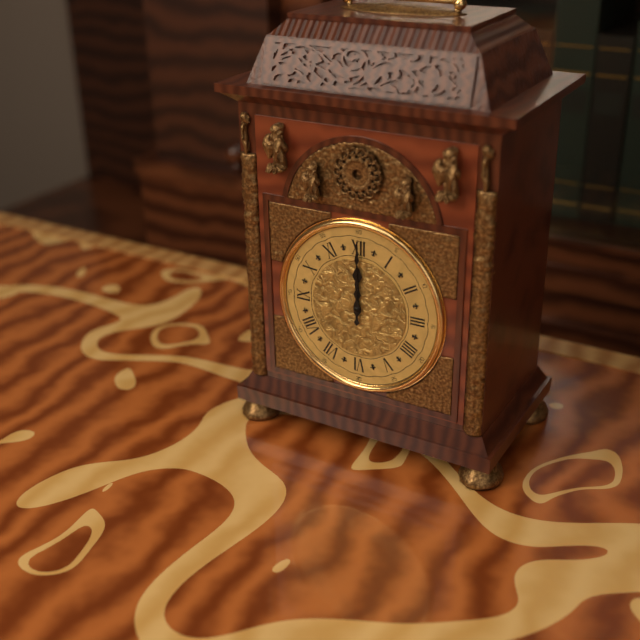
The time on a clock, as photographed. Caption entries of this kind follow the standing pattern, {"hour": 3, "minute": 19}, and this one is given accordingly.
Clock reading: {"hour": 12, "minute": 0}
